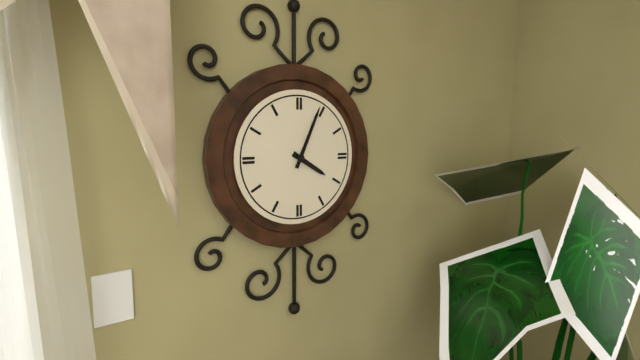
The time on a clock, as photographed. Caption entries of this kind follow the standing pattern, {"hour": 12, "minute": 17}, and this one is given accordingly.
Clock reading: {"hour": 4, "minute": 4}
